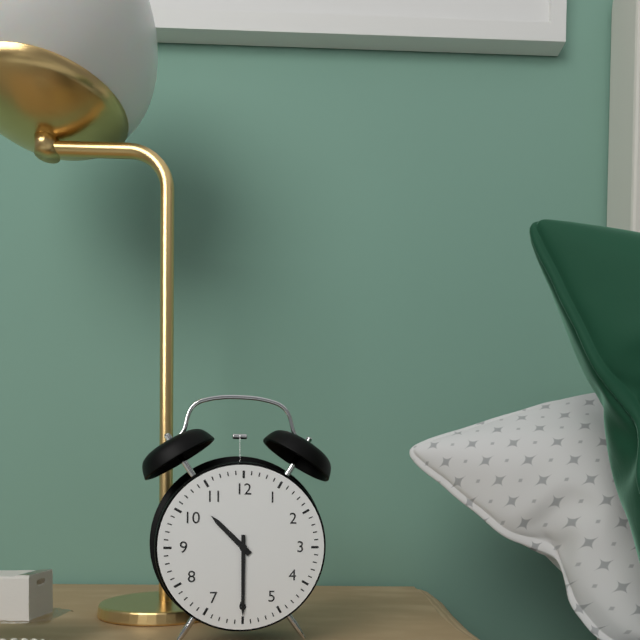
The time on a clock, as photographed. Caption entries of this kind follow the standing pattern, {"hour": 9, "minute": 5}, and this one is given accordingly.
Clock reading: {"hour": 10, "minute": 30}
